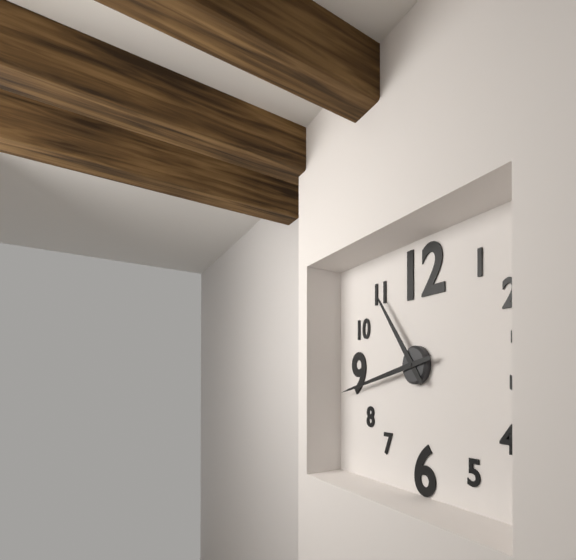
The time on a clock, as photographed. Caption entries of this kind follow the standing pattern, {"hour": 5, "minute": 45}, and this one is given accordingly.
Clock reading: {"hour": 10, "minute": 43}
